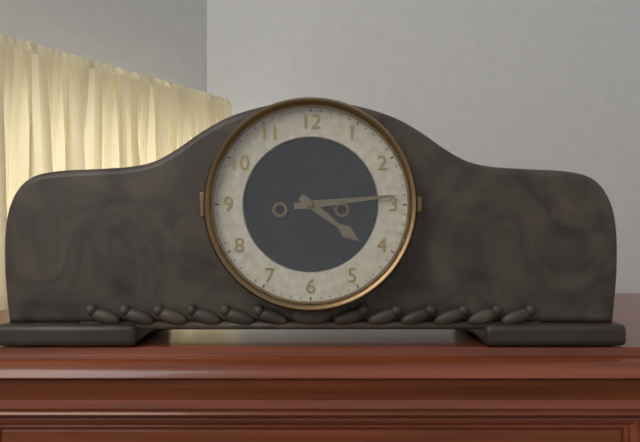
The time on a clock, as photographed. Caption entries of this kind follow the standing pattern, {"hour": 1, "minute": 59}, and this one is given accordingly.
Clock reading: {"hour": 4, "minute": 14}
